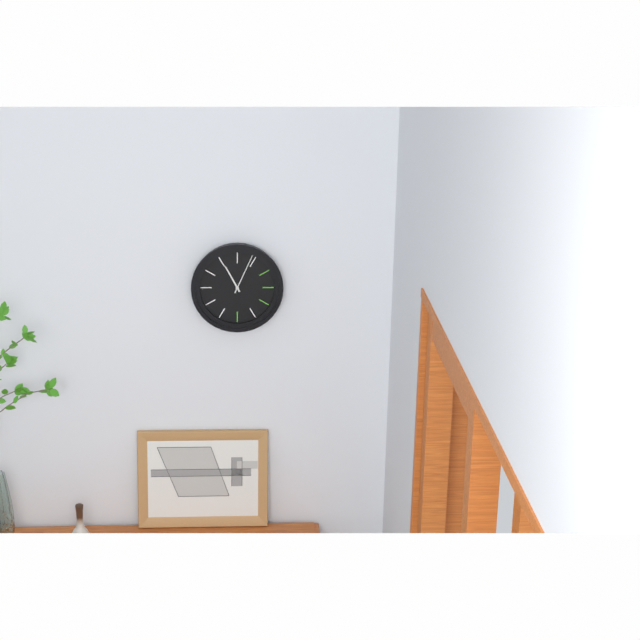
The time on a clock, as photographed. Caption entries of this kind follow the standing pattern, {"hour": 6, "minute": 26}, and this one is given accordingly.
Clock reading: {"hour": 11, "minute": 4}
